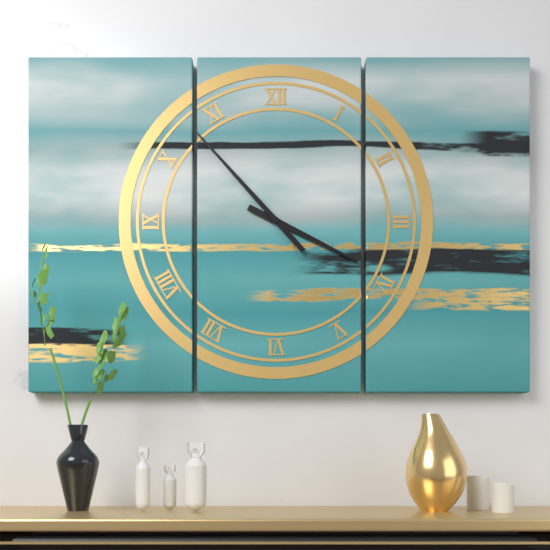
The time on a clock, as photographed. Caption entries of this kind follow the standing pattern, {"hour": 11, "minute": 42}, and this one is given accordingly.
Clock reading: {"hour": 3, "minute": 53}
